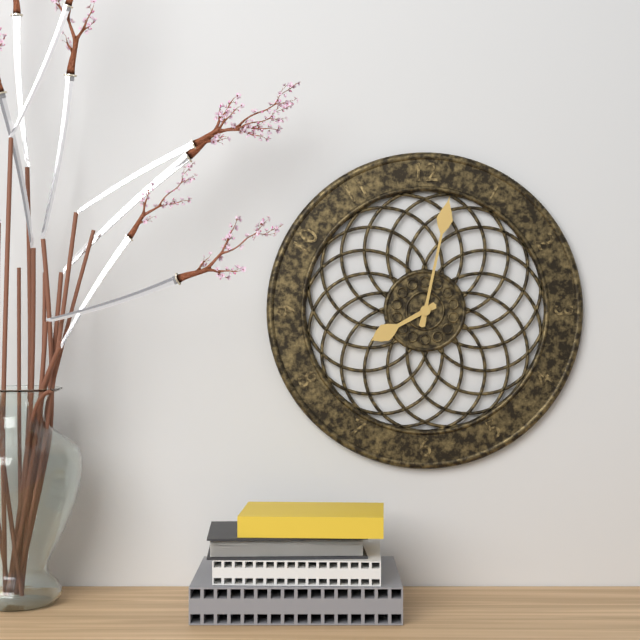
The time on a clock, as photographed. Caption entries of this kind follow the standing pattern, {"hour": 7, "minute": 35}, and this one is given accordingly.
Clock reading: {"hour": 8, "minute": 2}
